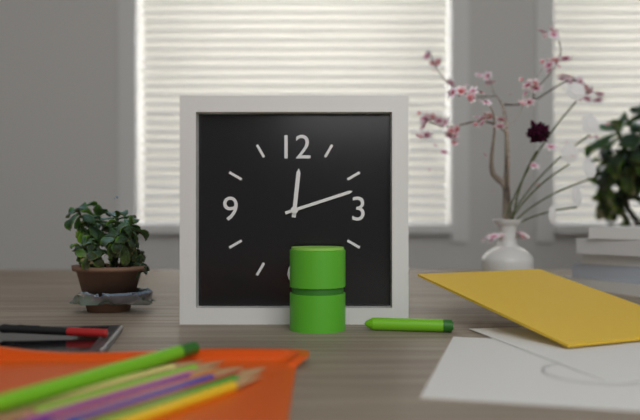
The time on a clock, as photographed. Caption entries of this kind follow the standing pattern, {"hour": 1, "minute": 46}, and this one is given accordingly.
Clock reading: {"hour": 12, "minute": 12}
